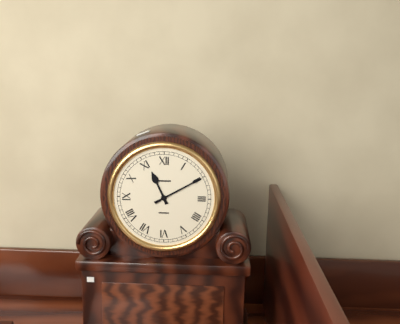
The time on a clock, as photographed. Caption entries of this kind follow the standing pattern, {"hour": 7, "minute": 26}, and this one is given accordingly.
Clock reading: {"hour": 11, "minute": 10}
